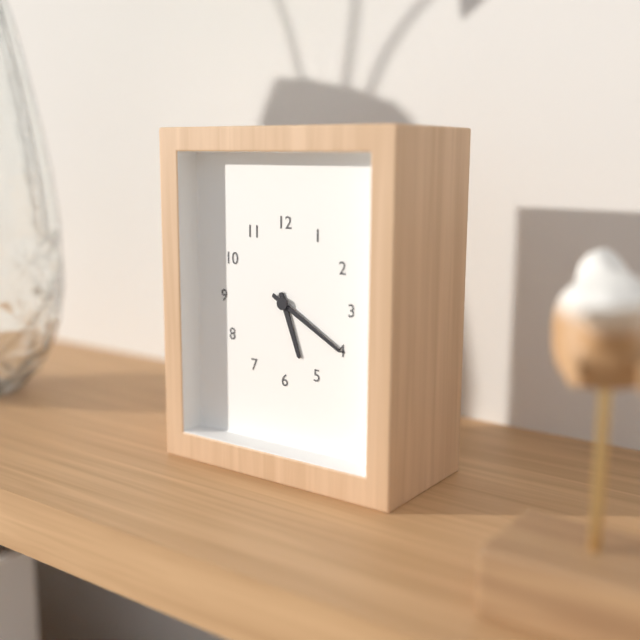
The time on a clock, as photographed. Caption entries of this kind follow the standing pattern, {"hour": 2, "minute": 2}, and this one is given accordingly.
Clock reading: {"hour": 5, "minute": 20}
